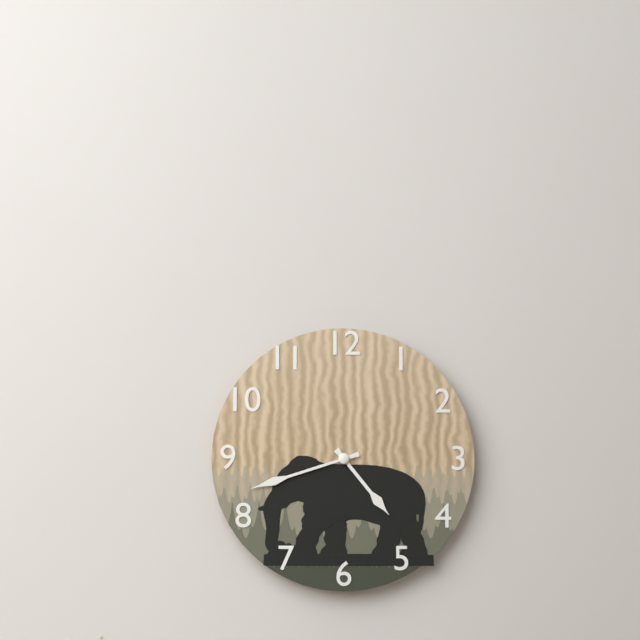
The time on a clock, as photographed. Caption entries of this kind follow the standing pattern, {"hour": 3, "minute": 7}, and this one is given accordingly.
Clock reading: {"hour": 4, "minute": 42}
